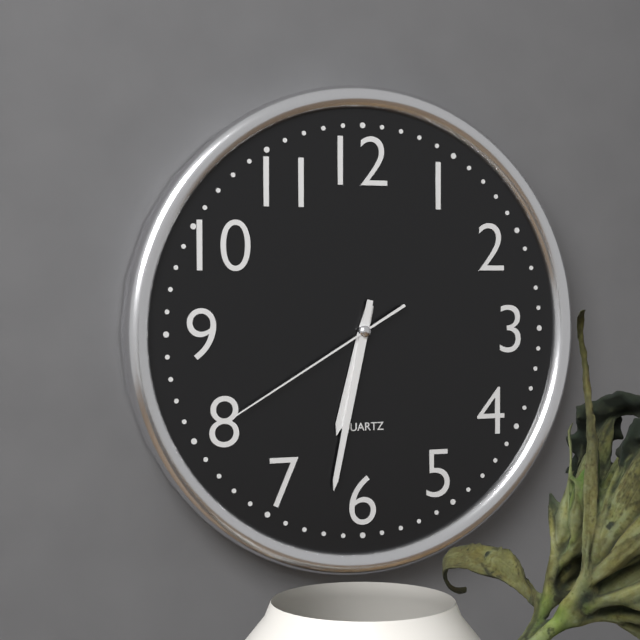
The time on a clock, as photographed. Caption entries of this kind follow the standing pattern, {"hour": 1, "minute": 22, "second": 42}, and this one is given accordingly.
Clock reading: {"hour": 6, "minute": 32, "second": 40}
